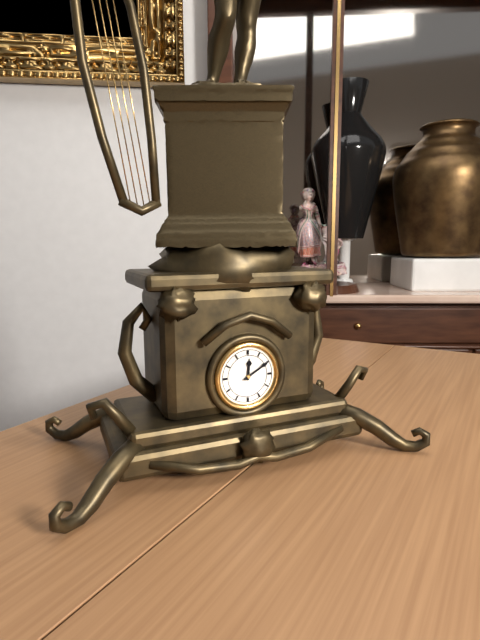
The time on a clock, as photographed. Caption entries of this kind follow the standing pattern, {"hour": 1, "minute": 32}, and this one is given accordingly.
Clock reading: {"hour": 12, "minute": 10}
